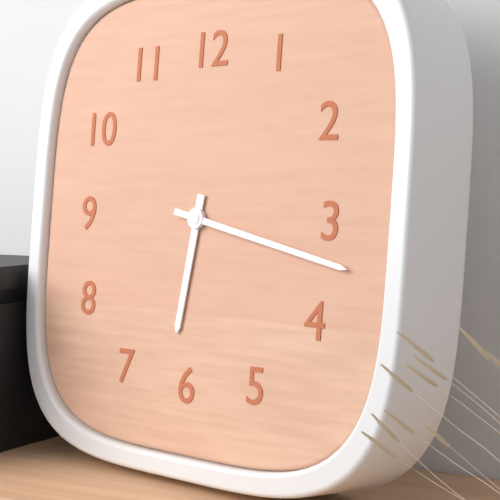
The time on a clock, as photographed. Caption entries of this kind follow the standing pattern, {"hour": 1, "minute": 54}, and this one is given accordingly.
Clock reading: {"hour": 6, "minute": 17}
